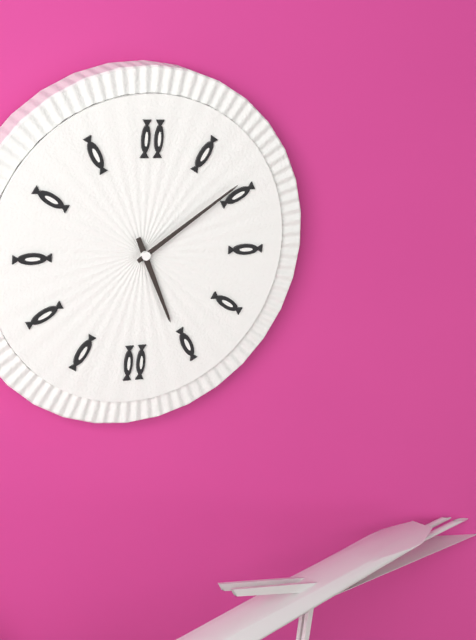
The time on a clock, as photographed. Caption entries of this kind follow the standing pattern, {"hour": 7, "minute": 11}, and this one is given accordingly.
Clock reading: {"hour": 5, "minute": 9}
